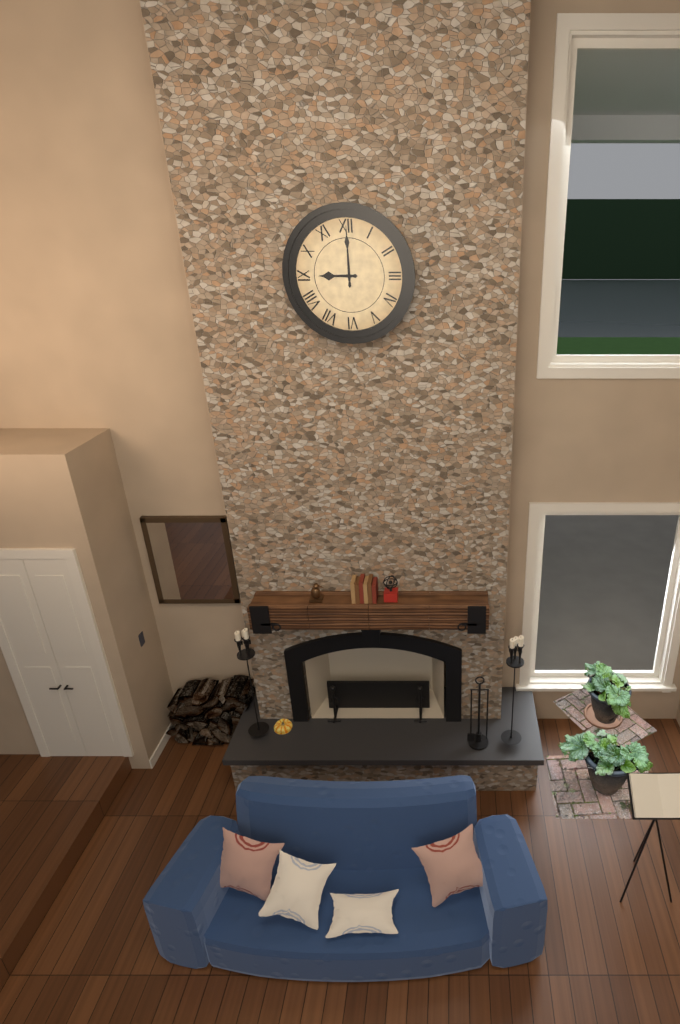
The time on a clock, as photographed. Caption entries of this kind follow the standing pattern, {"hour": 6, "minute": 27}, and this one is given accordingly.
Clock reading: {"hour": 9, "minute": 0}
